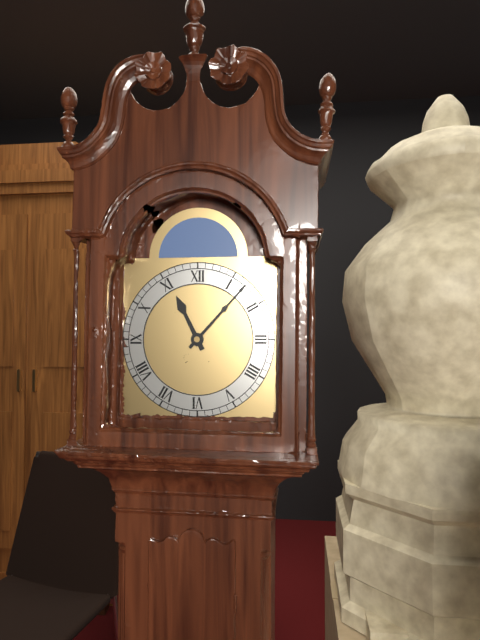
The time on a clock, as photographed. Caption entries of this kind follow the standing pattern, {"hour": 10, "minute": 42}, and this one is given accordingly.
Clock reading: {"hour": 11, "minute": 7}
